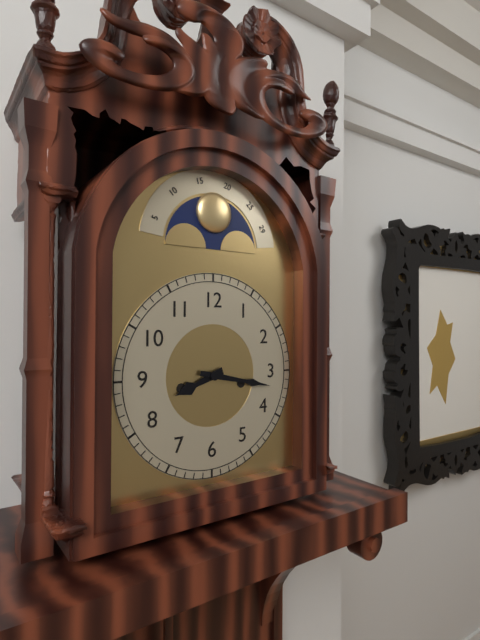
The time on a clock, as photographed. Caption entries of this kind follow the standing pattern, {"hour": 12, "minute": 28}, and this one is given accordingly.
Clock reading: {"hour": 8, "minute": 17}
